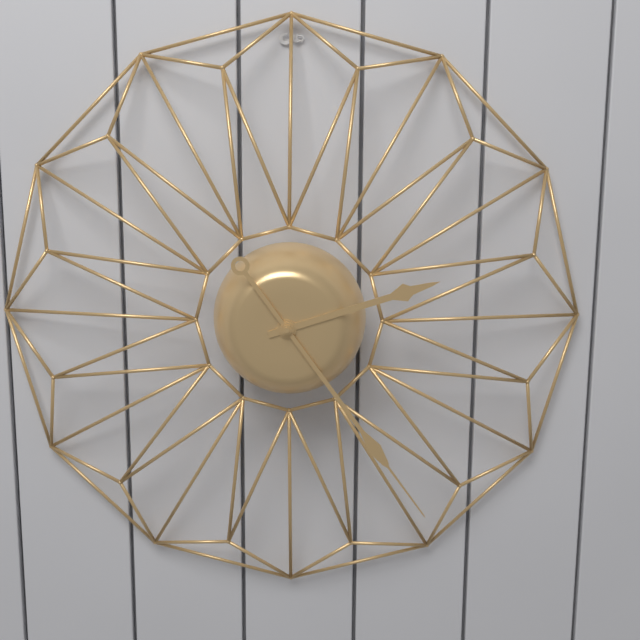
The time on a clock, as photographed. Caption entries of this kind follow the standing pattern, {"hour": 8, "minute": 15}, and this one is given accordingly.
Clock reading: {"hour": 2, "minute": 24}
